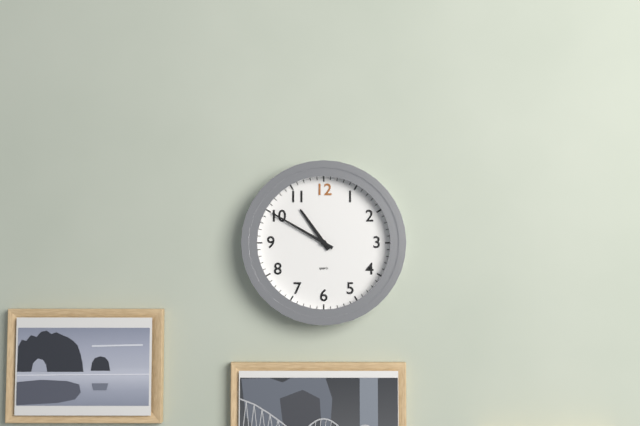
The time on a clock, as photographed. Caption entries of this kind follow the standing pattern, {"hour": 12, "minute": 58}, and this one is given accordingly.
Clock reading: {"hour": 10, "minute": 50}
